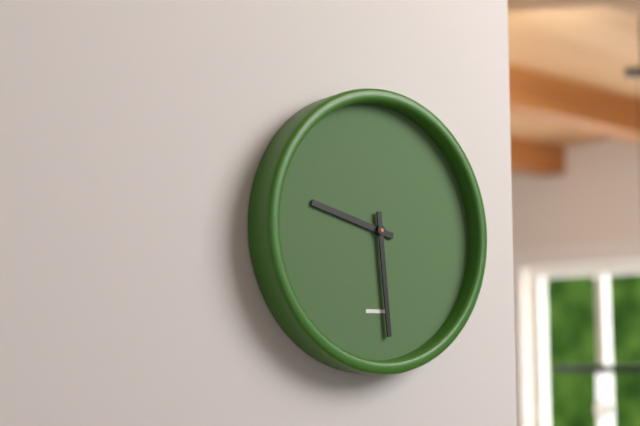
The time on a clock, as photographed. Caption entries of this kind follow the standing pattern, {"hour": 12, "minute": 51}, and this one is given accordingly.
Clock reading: {"hour": 9, "minute": 29}
